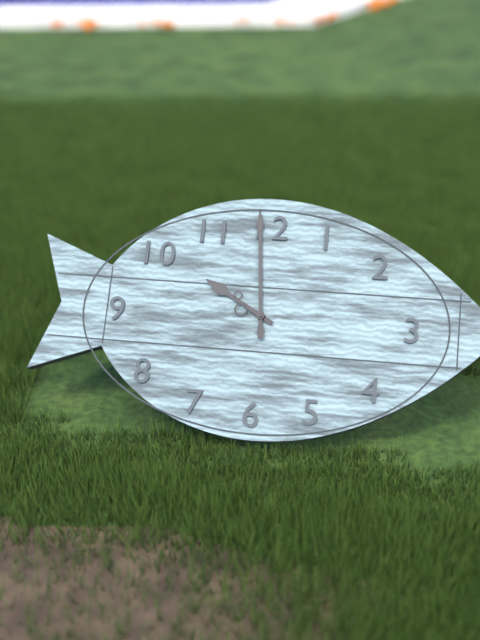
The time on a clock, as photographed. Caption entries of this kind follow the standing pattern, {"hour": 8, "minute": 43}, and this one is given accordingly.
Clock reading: {"hour": 9, "minute": 59}
